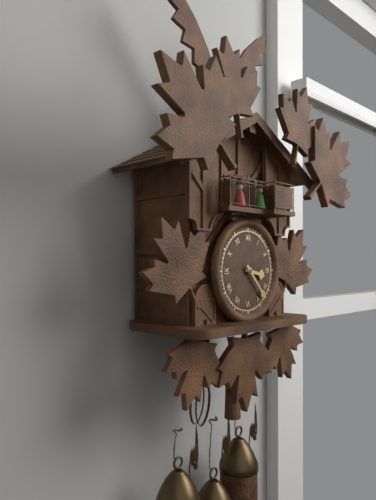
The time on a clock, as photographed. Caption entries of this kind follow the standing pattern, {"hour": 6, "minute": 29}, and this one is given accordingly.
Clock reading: {"hour": 3, "minute": 23}
